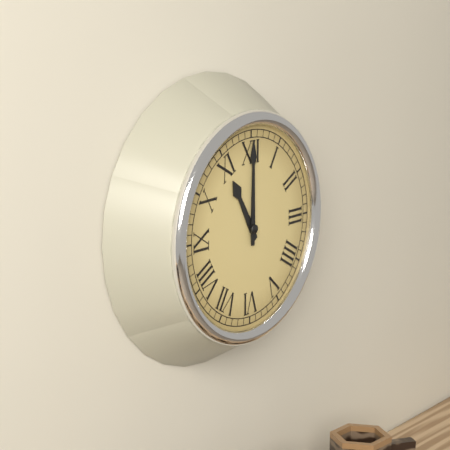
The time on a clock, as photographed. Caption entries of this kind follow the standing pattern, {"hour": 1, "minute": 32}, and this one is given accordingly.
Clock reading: {"hour": 11, "minute": 0}
